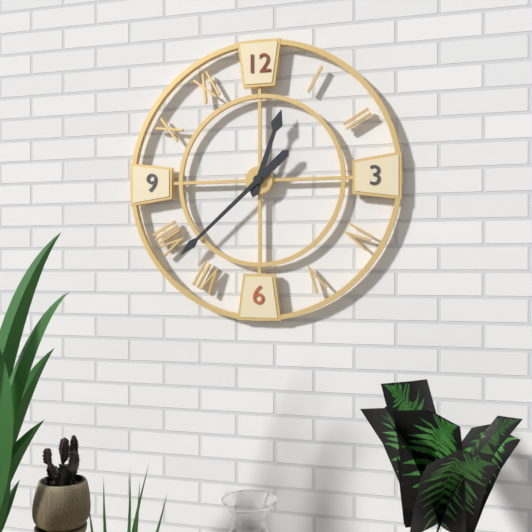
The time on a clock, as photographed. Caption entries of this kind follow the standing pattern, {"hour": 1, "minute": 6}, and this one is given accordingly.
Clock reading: {"hour": 12, "minute": 38}
